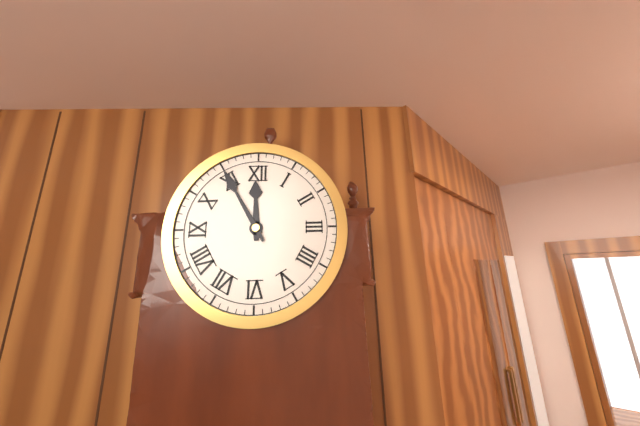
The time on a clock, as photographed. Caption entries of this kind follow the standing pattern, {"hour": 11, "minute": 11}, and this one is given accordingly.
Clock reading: {"hour": 11, "minute": 55}
